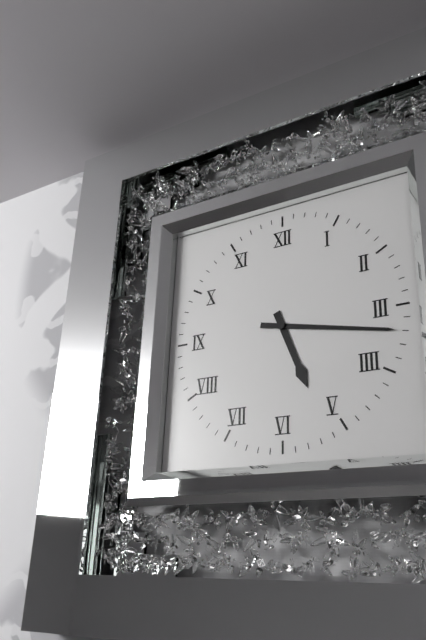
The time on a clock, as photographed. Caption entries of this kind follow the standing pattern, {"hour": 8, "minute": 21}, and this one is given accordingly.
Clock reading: {"hour": 5, "minute": 17}
